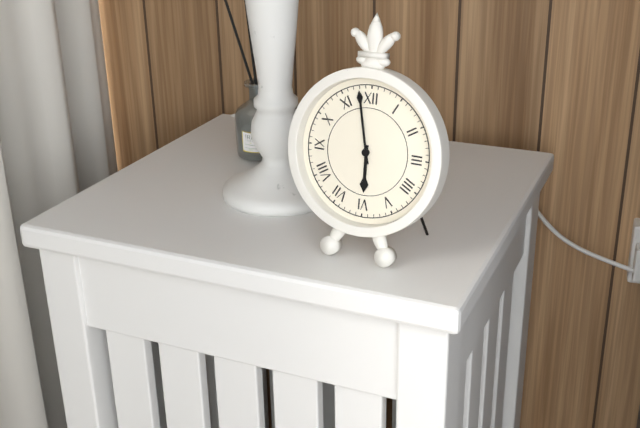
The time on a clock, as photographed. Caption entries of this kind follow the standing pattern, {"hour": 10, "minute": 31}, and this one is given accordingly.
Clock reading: {"hour": 5, "minute": 58}
